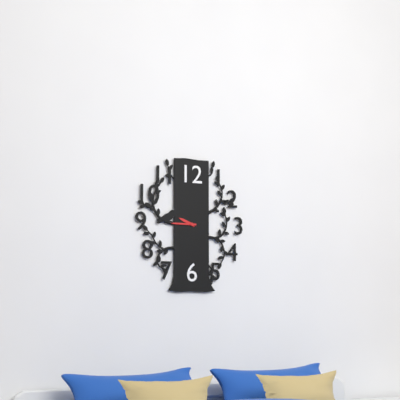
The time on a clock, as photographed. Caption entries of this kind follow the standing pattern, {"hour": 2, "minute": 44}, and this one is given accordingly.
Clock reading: {"hour": 9, "minute": 45}
